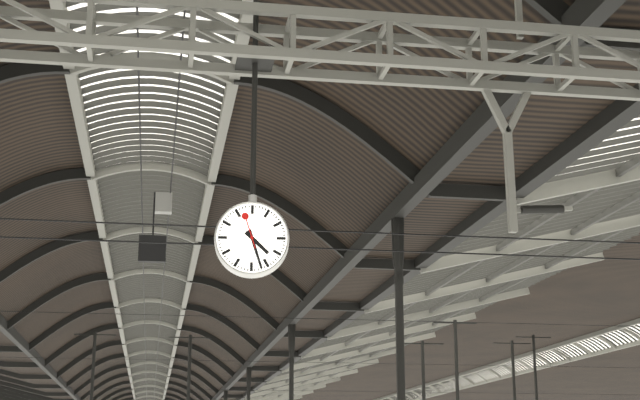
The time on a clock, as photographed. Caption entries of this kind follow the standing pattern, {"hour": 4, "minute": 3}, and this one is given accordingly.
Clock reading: {"hour": 4, "minute": 27}
